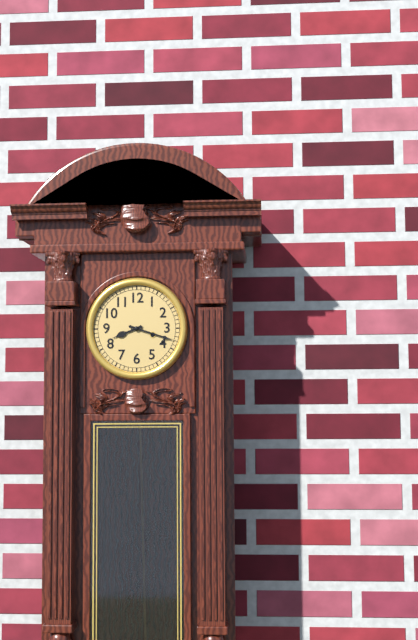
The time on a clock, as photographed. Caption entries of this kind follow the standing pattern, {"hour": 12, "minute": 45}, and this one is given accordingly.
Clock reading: {"hour": 8, "minute": 18}
